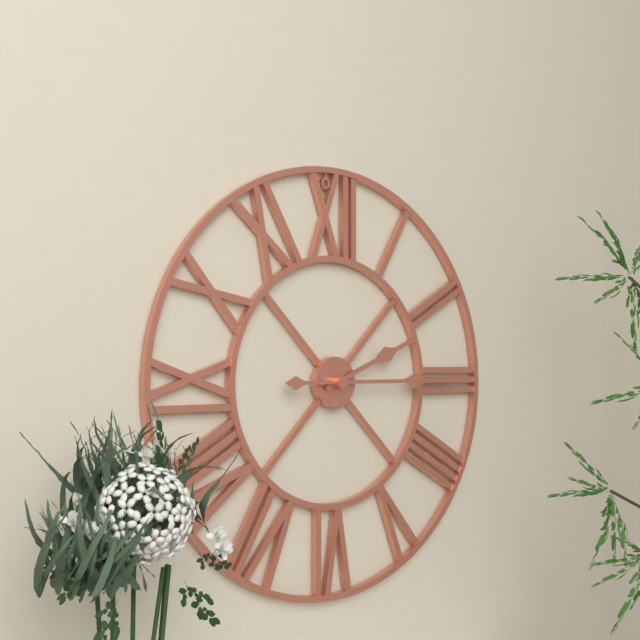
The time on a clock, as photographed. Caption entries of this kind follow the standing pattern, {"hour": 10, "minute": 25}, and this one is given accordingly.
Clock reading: {"hour": 2, "minute": 15}
